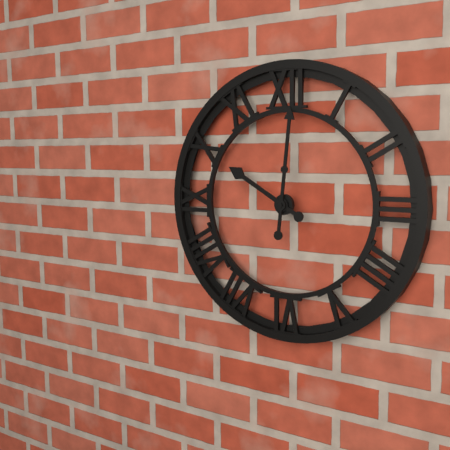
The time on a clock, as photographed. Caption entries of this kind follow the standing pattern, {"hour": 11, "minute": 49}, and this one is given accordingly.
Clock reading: {"hour": 10, "minute": 1}
